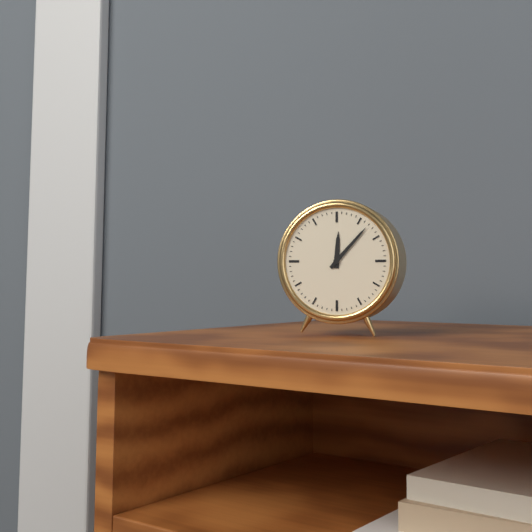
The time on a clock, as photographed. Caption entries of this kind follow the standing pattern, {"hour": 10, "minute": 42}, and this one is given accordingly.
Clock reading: {"hour": 12, "minute": 7}
